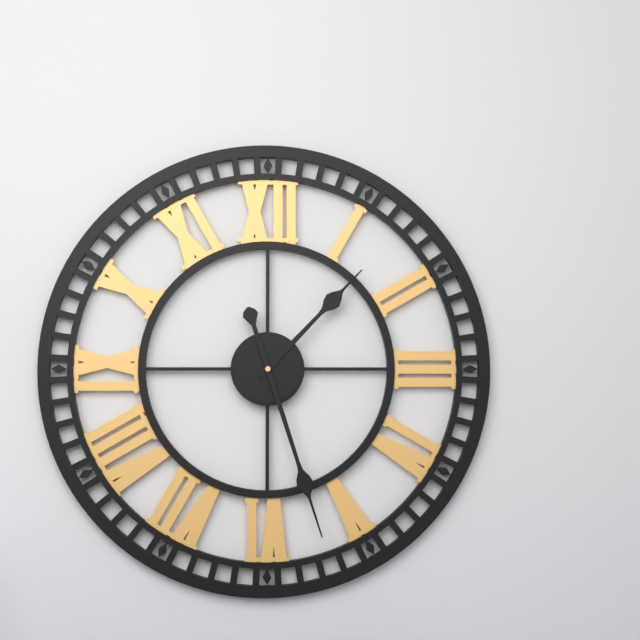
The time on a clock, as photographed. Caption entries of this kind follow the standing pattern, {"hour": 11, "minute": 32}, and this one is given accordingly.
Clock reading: {"hour": 1, "minute": 27}
